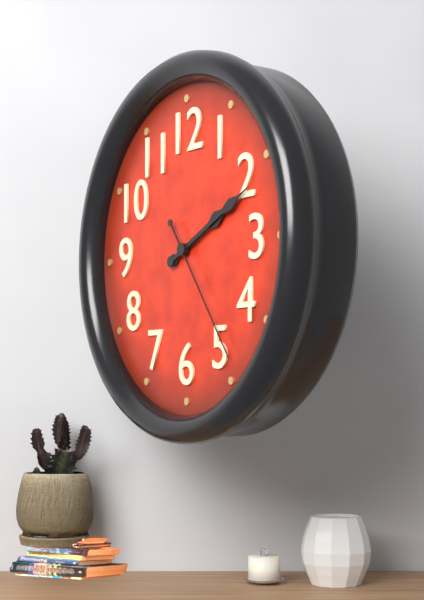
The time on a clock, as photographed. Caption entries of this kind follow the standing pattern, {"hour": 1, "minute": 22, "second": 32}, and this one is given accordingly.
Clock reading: {"hour": 2, "minute": 11, "second": 24}
